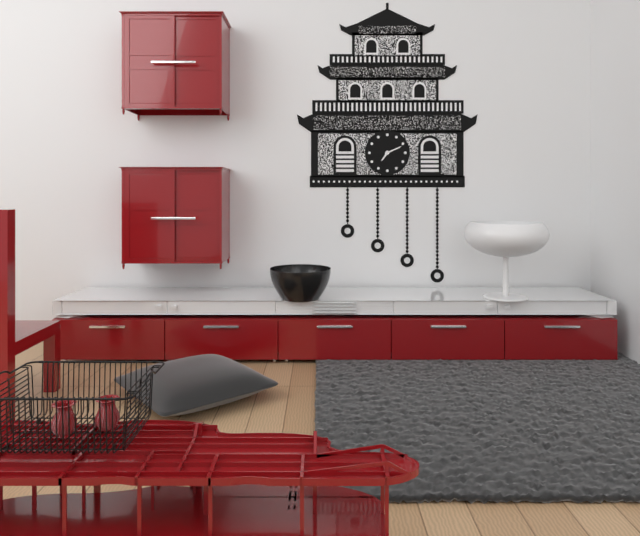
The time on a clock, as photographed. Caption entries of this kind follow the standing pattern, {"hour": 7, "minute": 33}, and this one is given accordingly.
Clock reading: {"hour": 7, "minute": 11}
